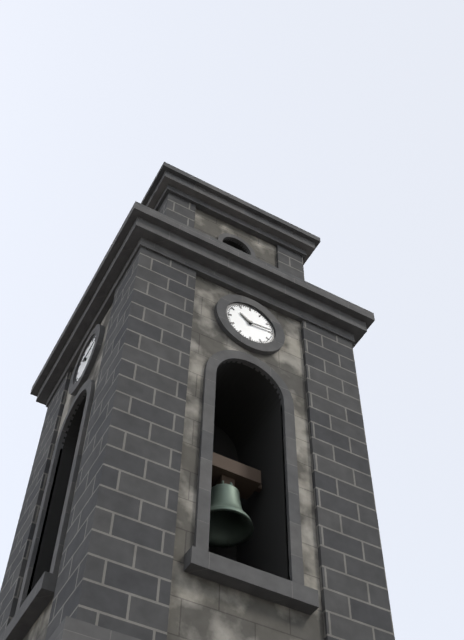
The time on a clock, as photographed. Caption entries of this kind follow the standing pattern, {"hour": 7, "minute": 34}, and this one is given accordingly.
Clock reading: {"hour": 10, "minute": 14}
